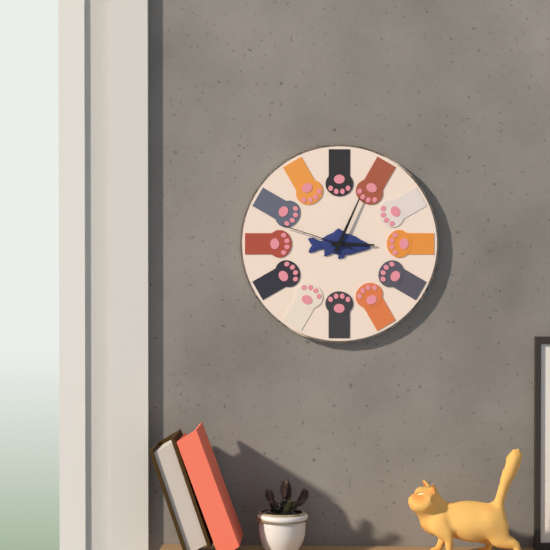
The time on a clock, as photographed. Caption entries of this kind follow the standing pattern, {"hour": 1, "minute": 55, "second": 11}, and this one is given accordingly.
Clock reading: {"hour": 3, "minute": 4, "second": 48}
